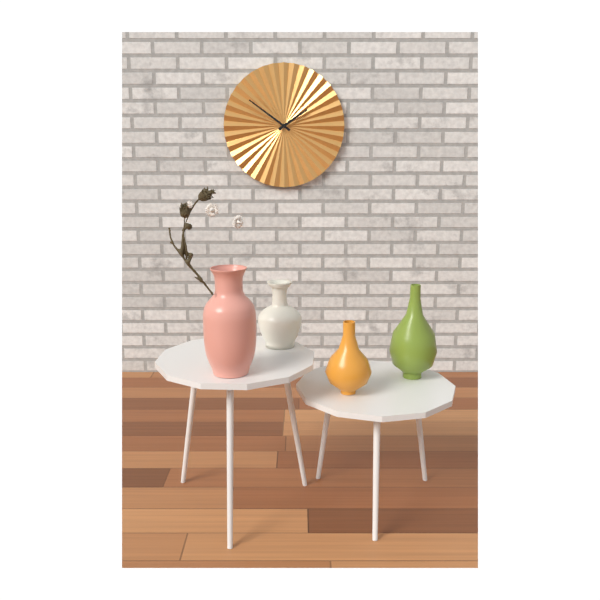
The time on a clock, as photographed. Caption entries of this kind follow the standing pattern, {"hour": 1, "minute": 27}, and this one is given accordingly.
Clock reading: {"hour": 1, "minute": 51}
